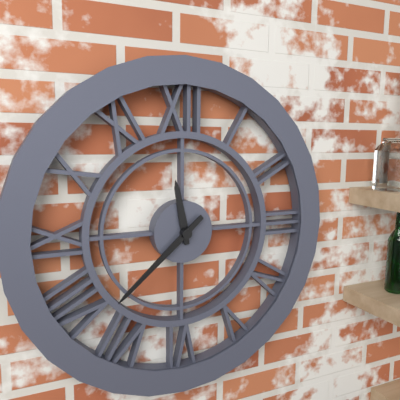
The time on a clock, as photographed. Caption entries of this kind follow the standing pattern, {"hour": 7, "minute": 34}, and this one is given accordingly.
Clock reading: {"hour": 11, "minute": 38}
